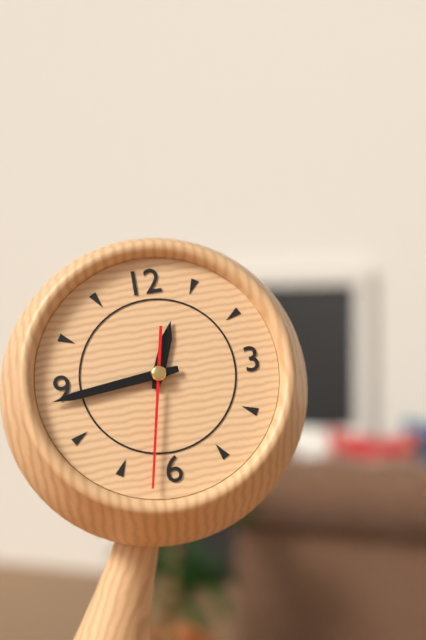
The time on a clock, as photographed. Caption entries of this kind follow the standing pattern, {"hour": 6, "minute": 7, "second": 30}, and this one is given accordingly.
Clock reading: {"hour": 12, "minute": 44, "second": 32}
